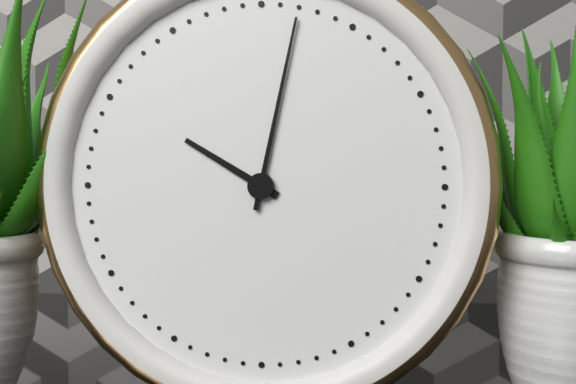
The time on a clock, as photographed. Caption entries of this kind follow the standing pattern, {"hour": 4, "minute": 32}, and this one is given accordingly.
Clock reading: {"hour": 10, "minute": 2}
